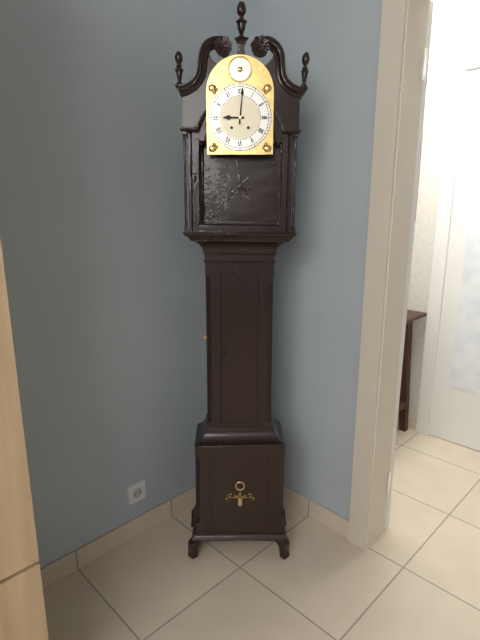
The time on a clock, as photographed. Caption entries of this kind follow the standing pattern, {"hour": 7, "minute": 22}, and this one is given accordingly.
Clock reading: {"hour": 9, "minute": 1}
